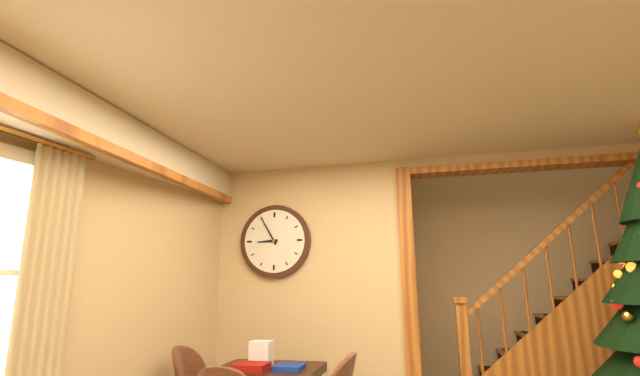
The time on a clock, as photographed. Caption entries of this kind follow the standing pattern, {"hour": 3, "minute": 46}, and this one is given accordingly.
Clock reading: {"hour": 8, "minute": 55}
